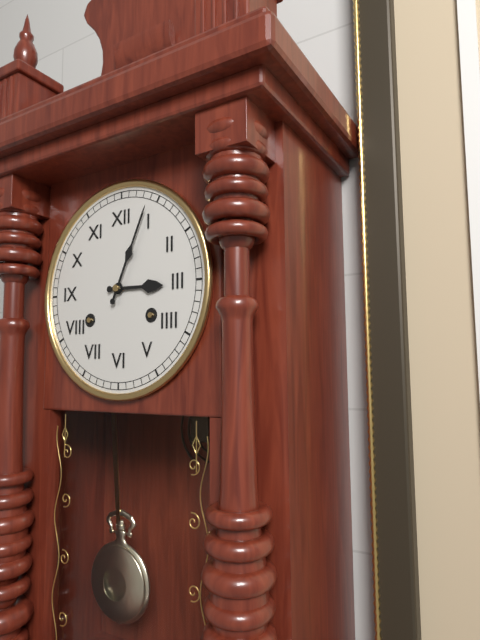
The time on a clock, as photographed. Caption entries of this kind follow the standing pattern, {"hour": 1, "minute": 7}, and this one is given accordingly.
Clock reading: {"hour": 3, "minute": 4}
